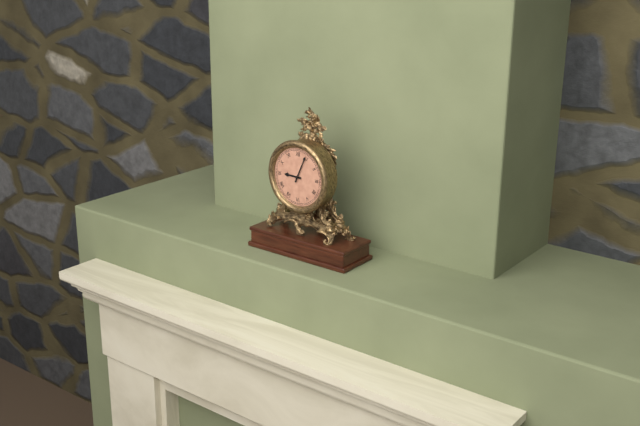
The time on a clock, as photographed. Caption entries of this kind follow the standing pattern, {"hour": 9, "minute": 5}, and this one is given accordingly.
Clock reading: {"hour": 9, "minute": 4}
